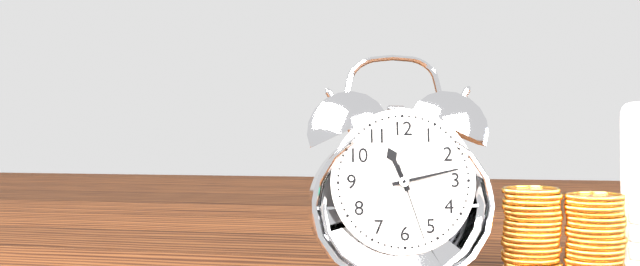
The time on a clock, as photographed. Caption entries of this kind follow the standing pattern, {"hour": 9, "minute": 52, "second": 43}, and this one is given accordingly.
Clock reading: {"hour": 11, "minute": 13, "second": 27}
